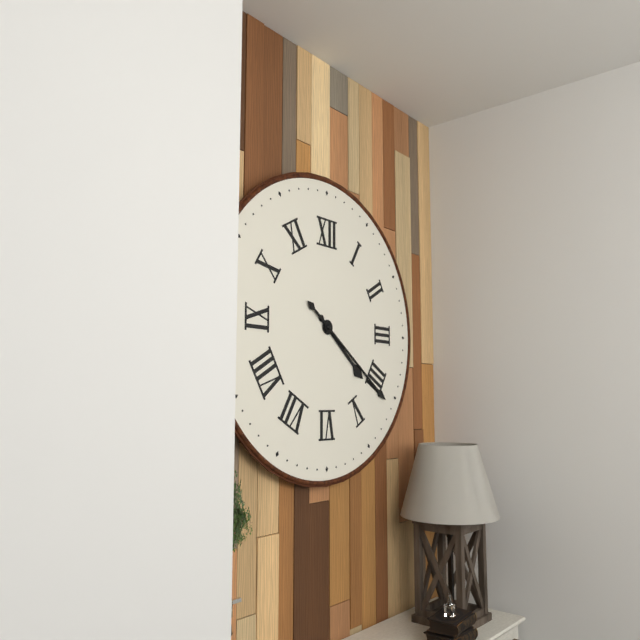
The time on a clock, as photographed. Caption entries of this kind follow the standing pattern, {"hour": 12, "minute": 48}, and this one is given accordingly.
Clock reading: {"hour": 4, "minute": 21}
